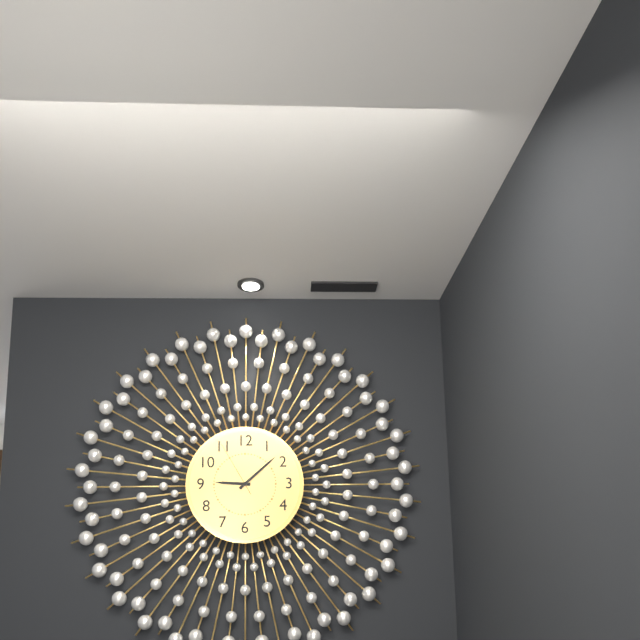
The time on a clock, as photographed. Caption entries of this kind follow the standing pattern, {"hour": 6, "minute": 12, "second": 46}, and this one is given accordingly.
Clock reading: {"hour": 9, "minute": 8, "second": 55}
